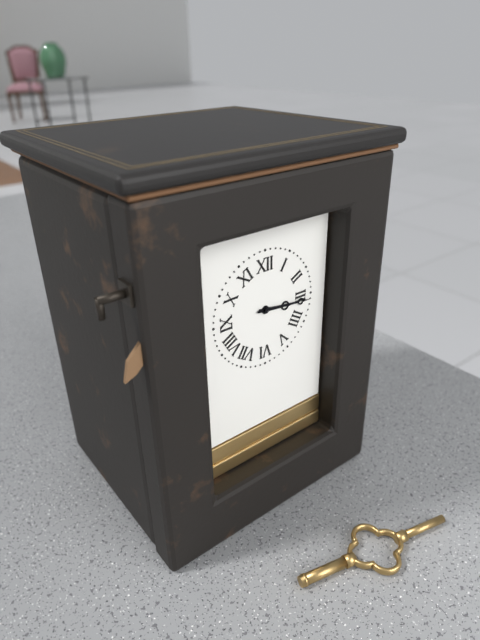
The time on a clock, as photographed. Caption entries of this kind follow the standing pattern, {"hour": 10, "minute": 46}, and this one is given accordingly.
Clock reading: {"hour": 3, "minute": 16}
